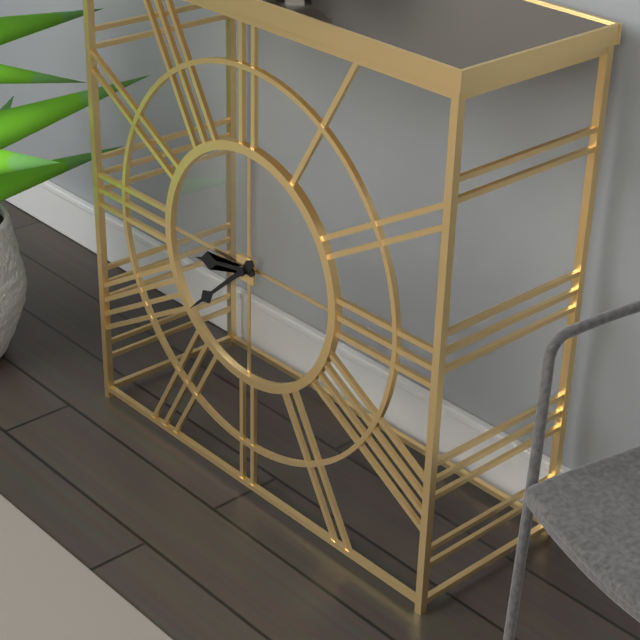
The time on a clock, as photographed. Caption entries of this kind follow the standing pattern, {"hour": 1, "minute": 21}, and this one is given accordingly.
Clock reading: {"hour": 8, "minute": 38}
